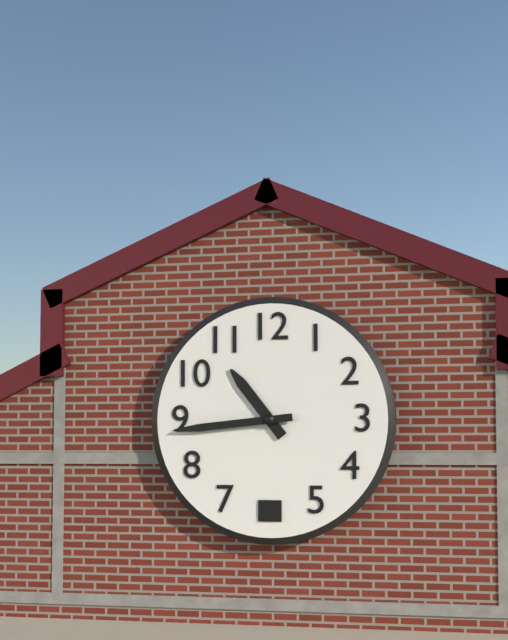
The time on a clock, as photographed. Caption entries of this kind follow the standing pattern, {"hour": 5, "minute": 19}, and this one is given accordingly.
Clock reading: {"hour": 10, "minute": 44}
